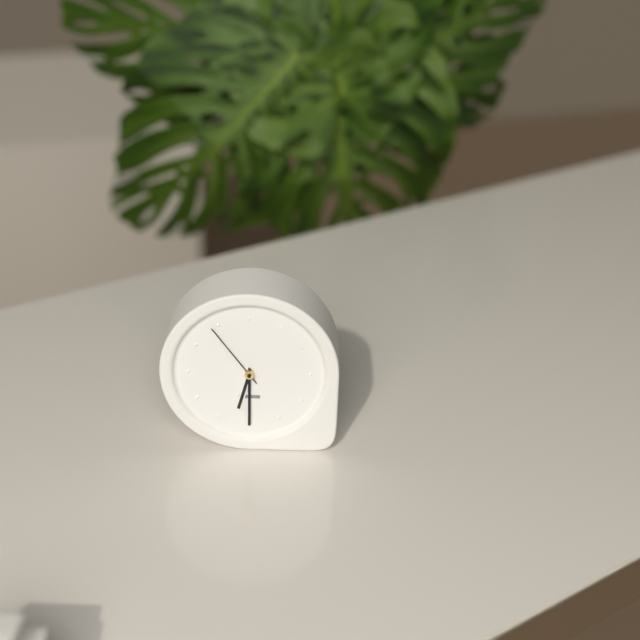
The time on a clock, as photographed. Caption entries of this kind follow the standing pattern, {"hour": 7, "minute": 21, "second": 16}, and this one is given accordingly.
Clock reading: {"hour": 6, "minute": 30, "second": 54}
